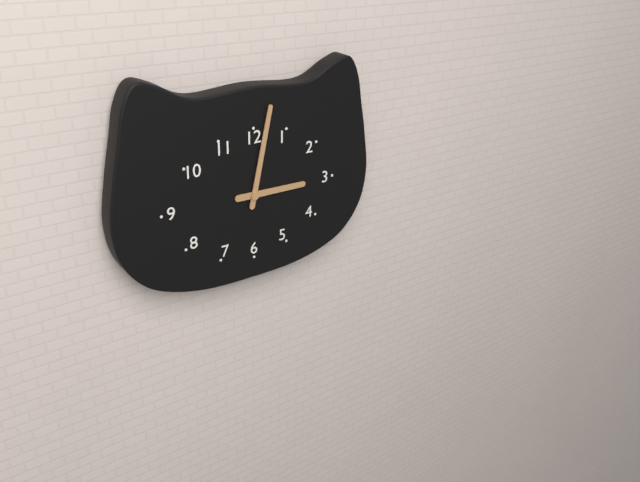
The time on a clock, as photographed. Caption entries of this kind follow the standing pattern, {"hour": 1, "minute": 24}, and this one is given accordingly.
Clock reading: {"hour": 3, "minute": 2}
